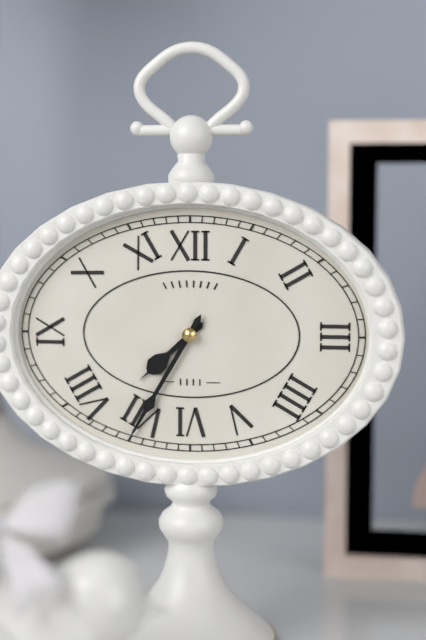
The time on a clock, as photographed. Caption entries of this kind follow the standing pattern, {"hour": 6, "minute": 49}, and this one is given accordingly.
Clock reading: {"hour": 7, "minute": 35}
